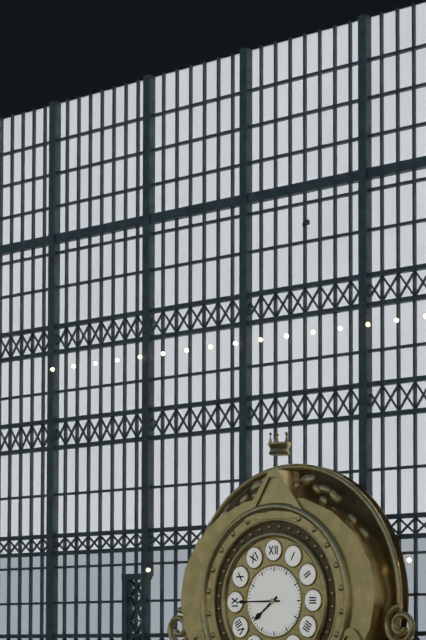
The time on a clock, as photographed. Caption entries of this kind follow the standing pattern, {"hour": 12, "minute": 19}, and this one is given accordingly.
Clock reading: {"hour": 7, "minute": 45}
